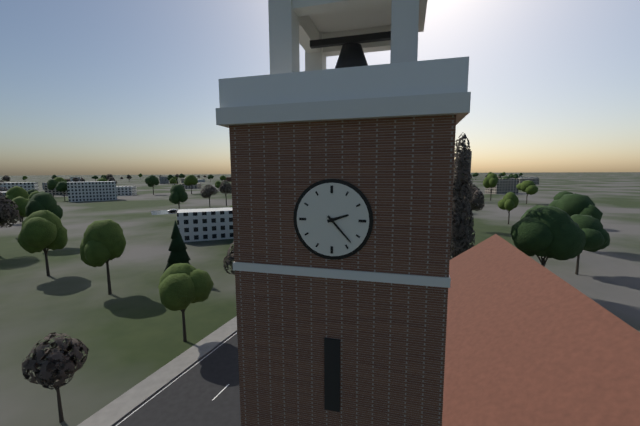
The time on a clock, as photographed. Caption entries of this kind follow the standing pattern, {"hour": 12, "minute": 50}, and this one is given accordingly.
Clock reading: {"hour": 2, "minute": 23}
